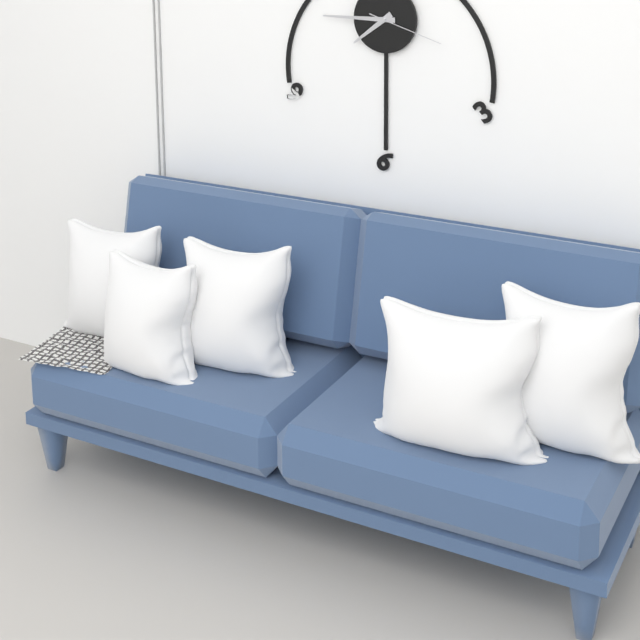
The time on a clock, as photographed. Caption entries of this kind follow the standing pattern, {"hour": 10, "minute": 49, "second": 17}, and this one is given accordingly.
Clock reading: {"hour": 7, "minute": 45, "second": 18}
